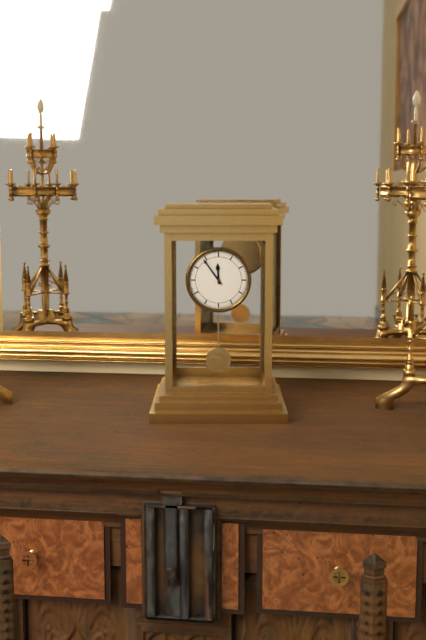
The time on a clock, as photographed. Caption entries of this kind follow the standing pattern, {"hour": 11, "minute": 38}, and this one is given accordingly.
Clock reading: {"hour": 11, "minute": 54}
